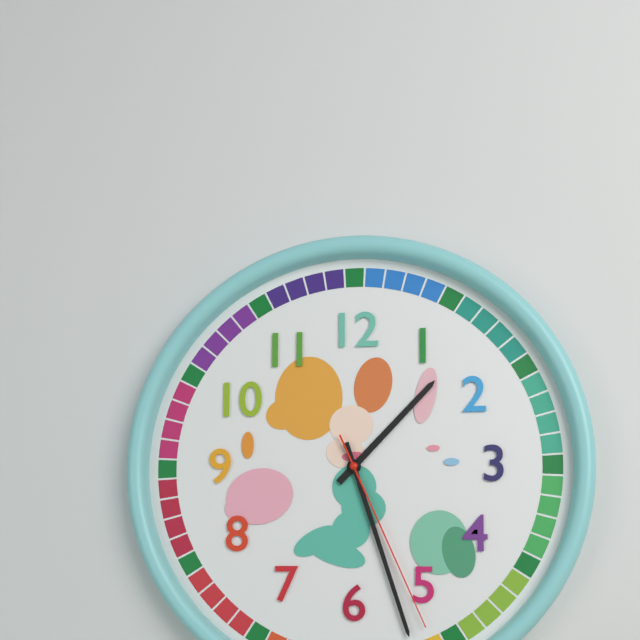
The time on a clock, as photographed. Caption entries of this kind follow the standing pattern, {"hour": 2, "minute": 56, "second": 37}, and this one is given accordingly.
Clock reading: {"hour": 1, "minute": 27, "second": 26}
